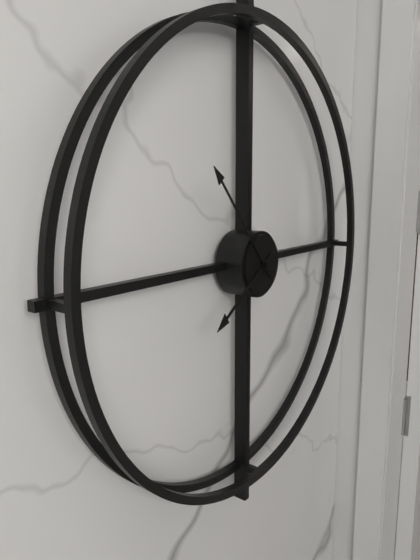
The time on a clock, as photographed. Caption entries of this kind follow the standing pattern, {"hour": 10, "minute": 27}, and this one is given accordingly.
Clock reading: {"hour": 7, "minute": 53}
